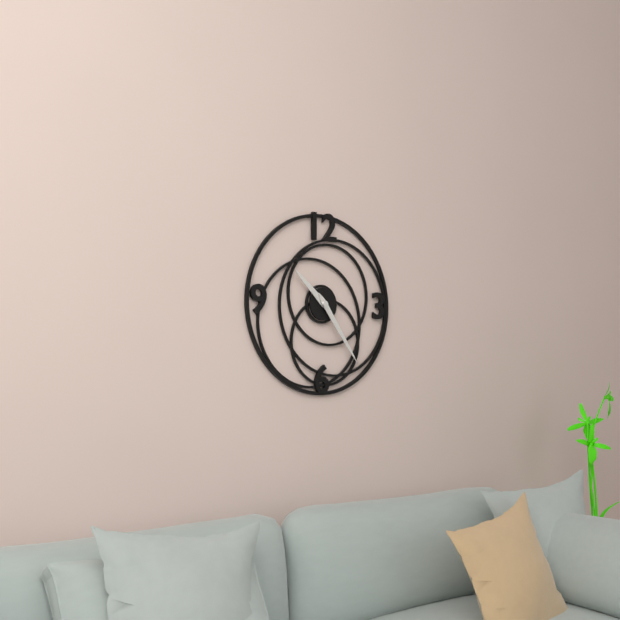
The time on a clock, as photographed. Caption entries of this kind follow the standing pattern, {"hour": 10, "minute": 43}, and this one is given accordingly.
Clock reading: {"hour": 10, "minute": 24}
